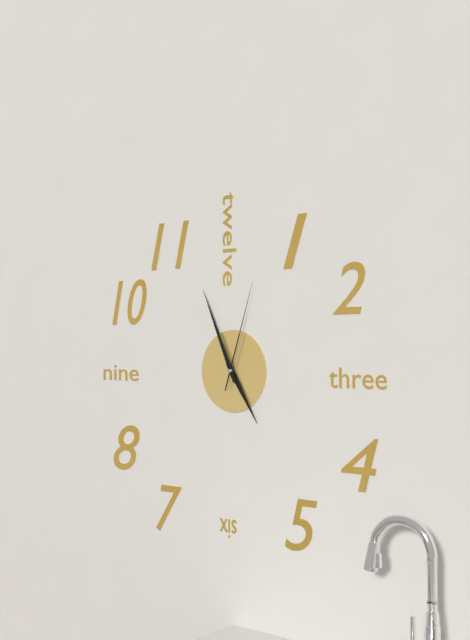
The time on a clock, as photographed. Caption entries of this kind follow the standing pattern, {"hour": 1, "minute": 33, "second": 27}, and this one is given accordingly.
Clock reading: {"hour": 4, "minute": 56, "second": 3}
